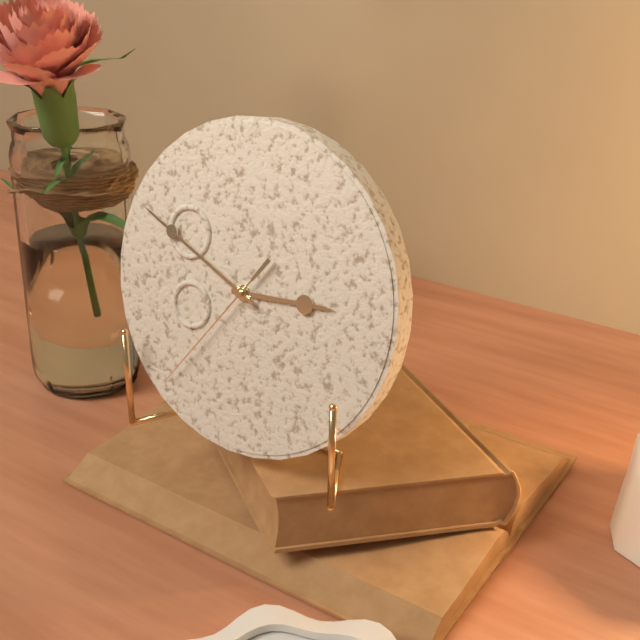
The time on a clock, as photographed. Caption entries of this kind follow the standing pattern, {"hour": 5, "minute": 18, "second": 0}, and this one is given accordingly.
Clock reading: {"hour": 2, "minute": 49, "second": 36}
